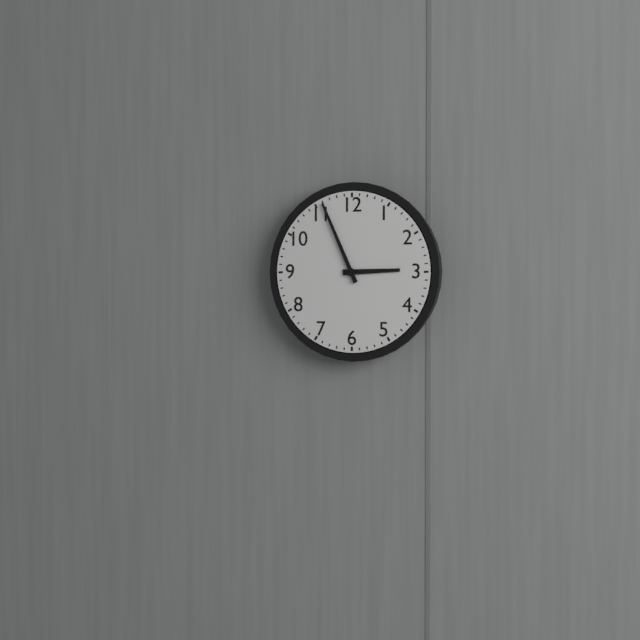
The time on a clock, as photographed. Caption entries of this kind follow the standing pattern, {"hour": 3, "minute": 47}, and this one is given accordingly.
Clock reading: {"hour": 2, "minute": 56}
